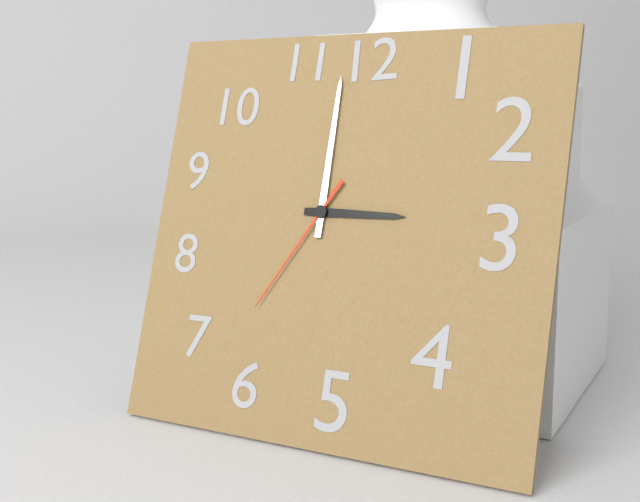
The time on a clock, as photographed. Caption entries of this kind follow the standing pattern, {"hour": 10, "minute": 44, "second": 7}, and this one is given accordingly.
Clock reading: {"hour": 3, "minute": 0, "second": 35}
